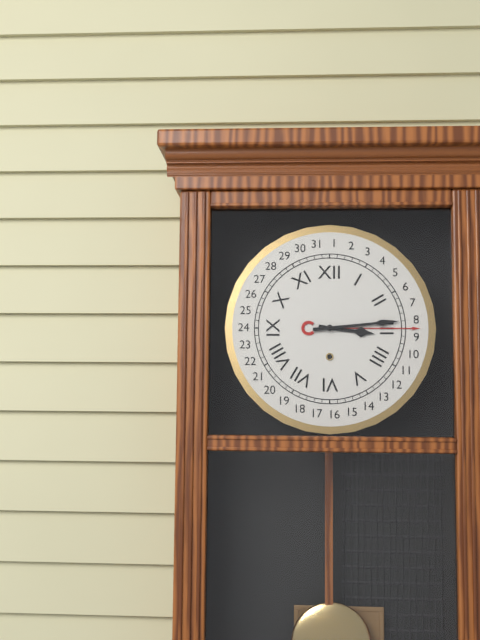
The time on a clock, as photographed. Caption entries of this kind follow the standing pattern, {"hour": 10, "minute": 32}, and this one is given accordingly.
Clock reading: {"hour": 3, "minute": 14}
